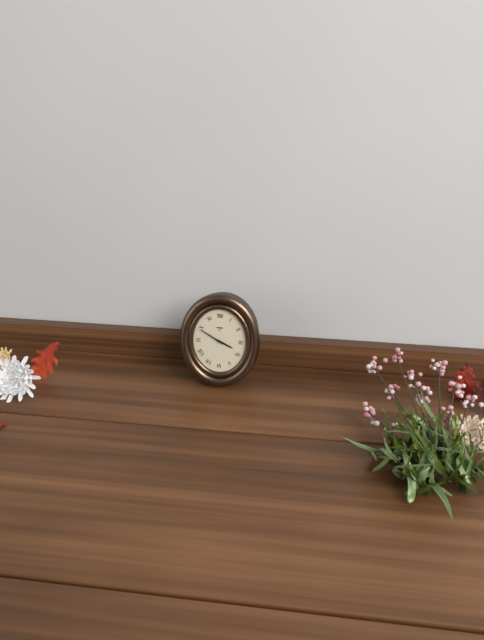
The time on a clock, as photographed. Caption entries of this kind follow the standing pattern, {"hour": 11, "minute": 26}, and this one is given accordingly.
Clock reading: {"hour": 3, "minute": 50}
